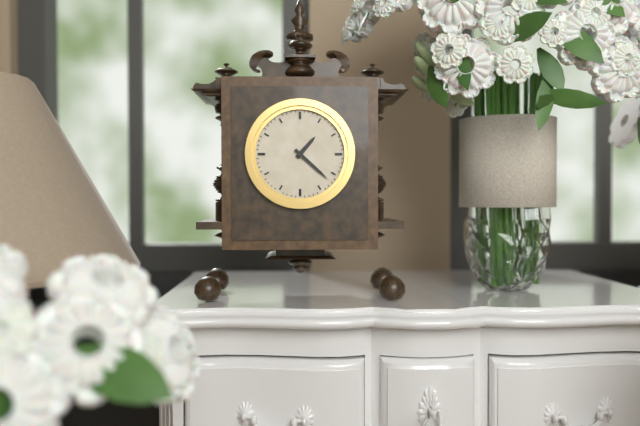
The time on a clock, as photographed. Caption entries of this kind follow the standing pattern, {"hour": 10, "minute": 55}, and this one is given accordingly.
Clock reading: {"hour": 1, "minute": 22}
